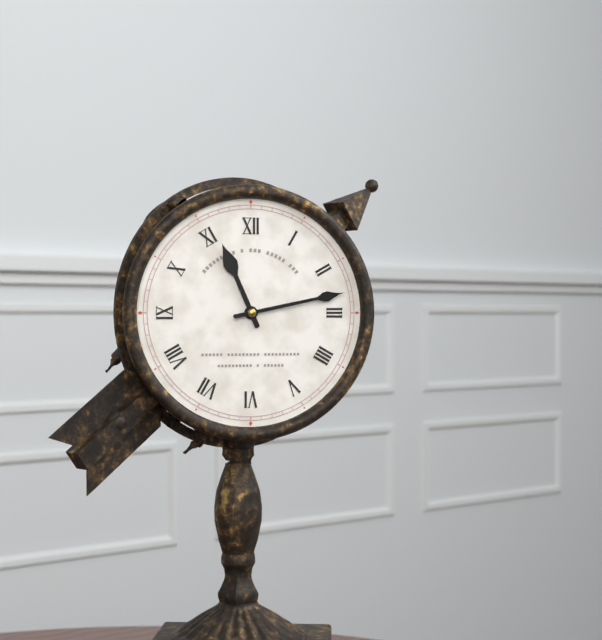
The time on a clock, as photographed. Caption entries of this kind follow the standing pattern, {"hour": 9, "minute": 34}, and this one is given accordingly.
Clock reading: {"hour": 11, "minute": 13}
